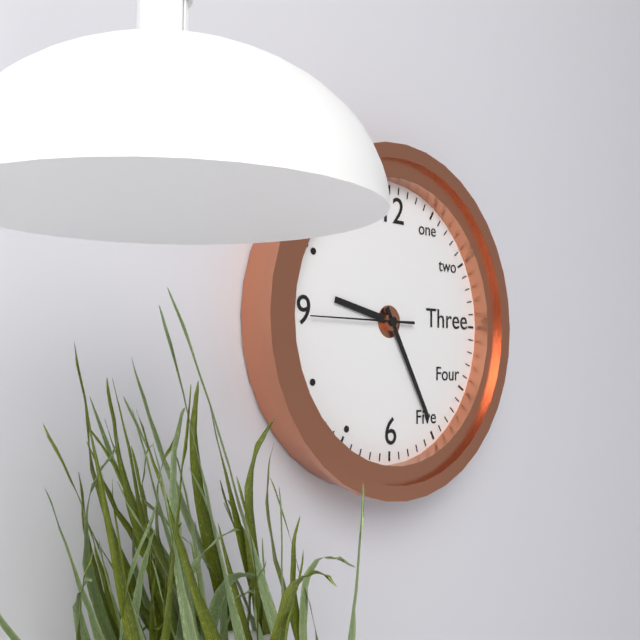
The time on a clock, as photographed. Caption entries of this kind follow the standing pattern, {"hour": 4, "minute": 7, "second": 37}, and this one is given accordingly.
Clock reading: {"hour": 9, "minute": 25, "second": 45}
